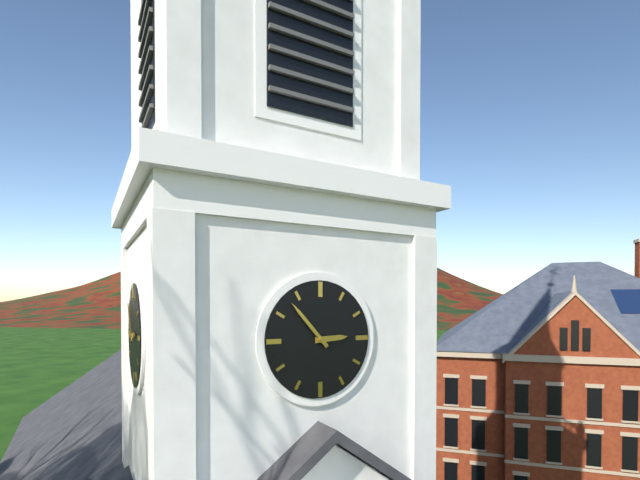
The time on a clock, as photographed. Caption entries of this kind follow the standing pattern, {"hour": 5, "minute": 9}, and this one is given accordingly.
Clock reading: {"hour": 2, "minute": 53}
